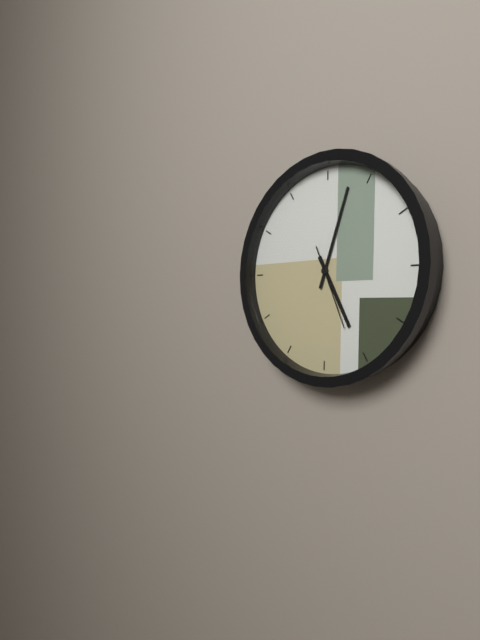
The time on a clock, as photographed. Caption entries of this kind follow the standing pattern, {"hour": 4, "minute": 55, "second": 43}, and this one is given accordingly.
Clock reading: {"hour": 5, "minute": 3, "second": 26}
